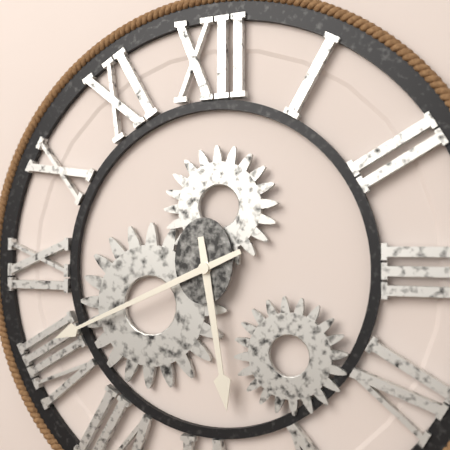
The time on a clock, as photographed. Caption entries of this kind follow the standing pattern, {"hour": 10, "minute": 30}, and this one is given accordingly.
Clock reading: {"hour": 5, "minute": 41}
